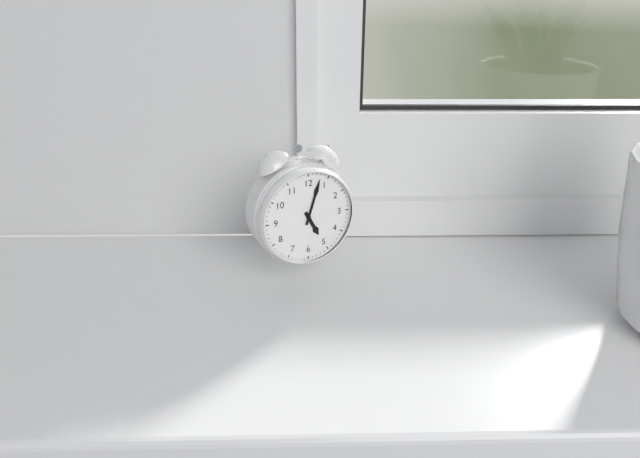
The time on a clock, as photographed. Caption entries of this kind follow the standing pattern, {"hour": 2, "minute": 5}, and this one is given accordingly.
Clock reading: {"hour": 5, "minute": 3}
